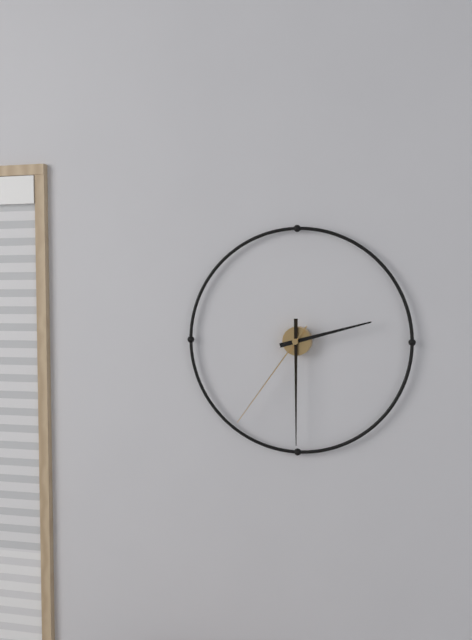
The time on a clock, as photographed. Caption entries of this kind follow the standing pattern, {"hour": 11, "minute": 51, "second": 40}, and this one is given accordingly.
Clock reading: {"hour": 2, "minute": 30, "second": 36}
